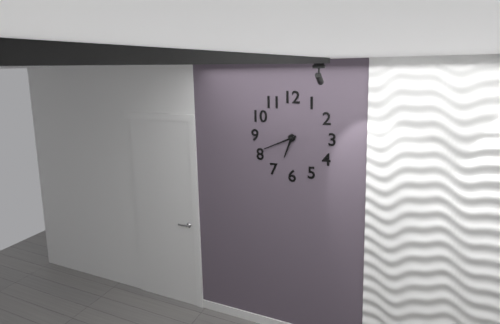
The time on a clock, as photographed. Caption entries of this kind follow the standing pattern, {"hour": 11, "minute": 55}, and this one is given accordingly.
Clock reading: {"hour": 6, "minute": 41}
